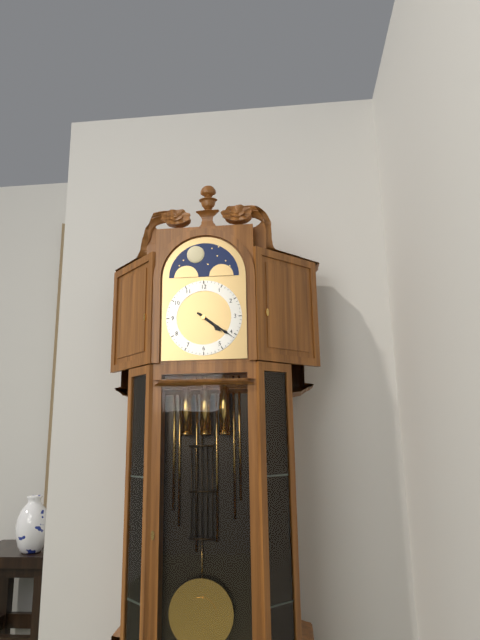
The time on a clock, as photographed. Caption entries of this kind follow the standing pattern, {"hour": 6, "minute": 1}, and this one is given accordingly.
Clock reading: {"hour": 4, "minute": 21}
